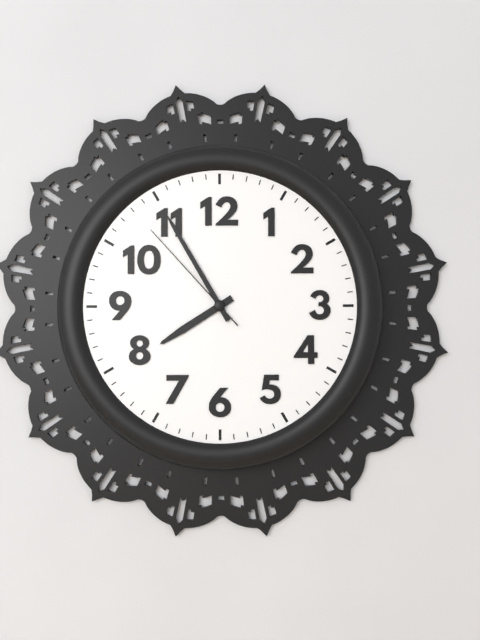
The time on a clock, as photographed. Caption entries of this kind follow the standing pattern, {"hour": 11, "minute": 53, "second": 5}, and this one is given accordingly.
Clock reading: {"hour": 7, "minute": 55, "second": 53}
